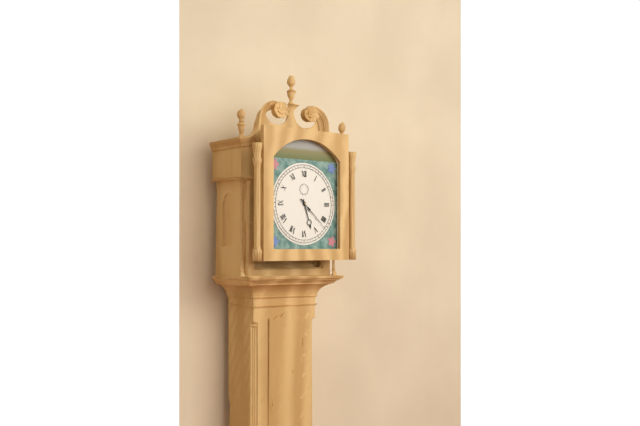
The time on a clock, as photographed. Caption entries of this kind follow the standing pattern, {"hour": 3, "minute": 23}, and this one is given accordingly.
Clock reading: {"hour": 5, "minute": 22}
